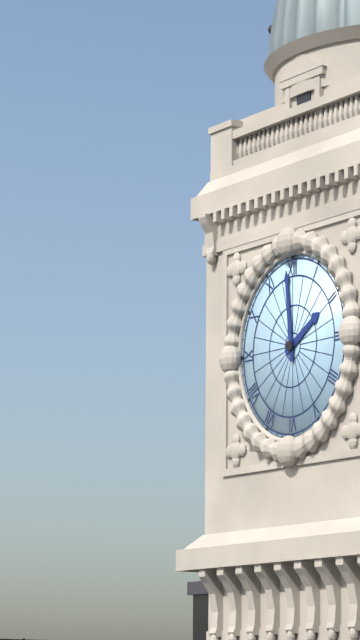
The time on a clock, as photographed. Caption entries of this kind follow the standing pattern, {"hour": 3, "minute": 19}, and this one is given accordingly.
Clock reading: {"hour": 1, "minute": 59}
